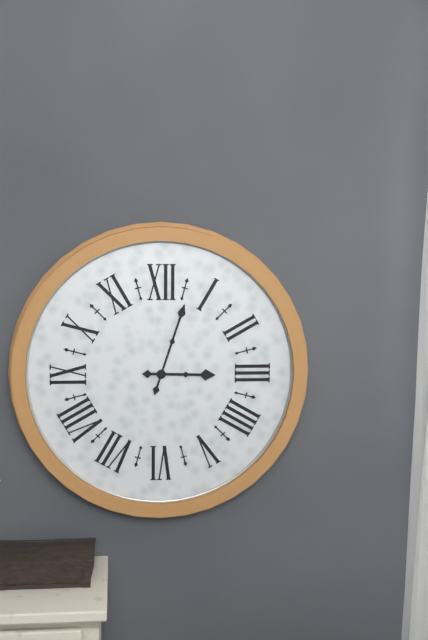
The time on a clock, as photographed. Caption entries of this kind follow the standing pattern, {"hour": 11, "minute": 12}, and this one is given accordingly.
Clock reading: {"hour": 3, "minute": 3}
